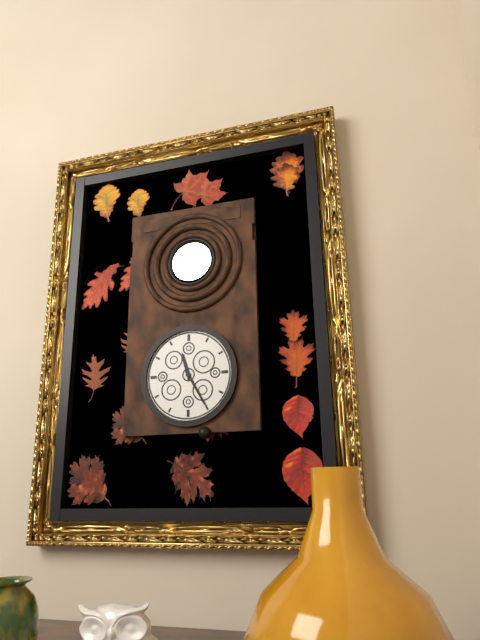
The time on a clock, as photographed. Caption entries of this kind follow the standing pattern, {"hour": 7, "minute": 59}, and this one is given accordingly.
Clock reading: {"hour": 11, "minute": 25}
